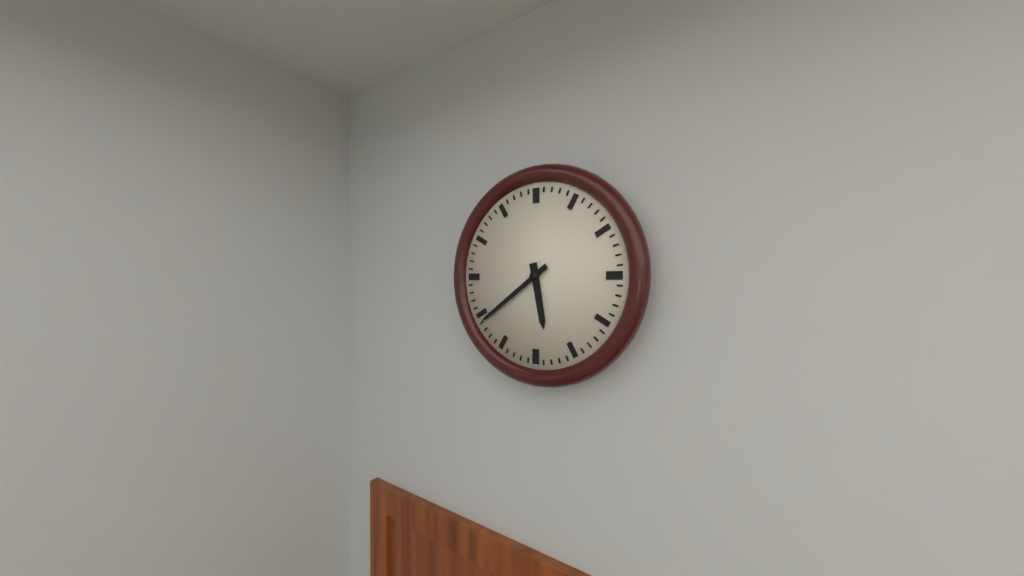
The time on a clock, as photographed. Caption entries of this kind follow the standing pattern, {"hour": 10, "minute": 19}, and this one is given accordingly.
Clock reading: {"hour": 5, "minute": 39}
